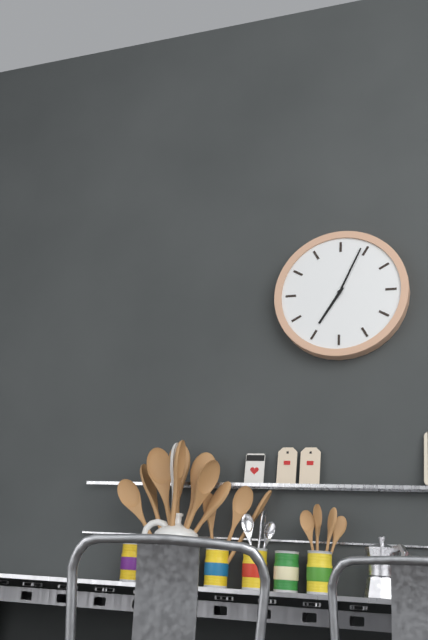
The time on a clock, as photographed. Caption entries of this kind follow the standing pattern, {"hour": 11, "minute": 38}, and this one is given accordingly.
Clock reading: {"hour": 7, "minute": 4}
